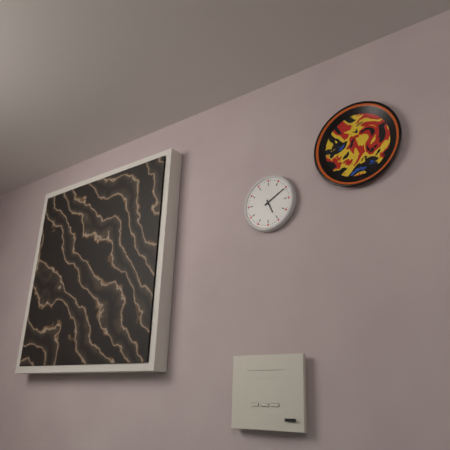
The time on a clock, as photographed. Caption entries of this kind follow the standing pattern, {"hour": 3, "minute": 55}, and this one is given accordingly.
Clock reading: {"hour": 5, "minute": 10}
